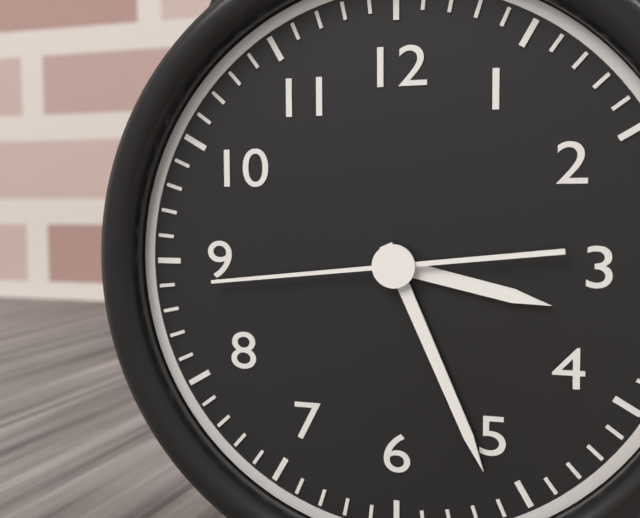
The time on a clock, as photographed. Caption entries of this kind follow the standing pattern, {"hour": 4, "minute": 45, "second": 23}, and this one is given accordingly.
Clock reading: {"hour": 3, "minute": 26, "second": 44}
